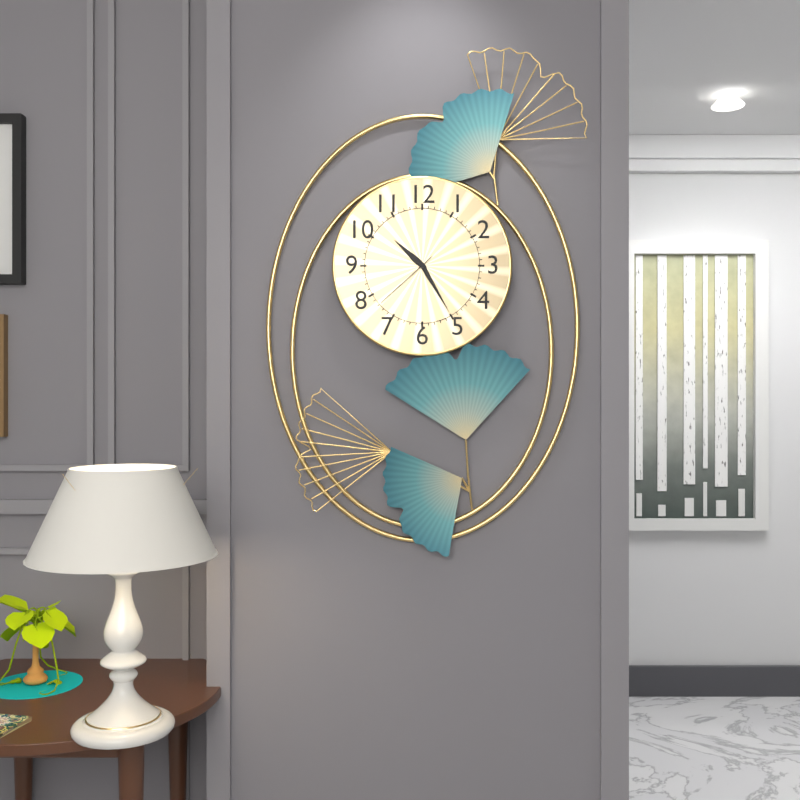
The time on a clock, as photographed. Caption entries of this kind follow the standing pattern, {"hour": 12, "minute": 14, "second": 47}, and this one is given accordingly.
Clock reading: {"hour": 10, "minute": 25, "second": 38}
